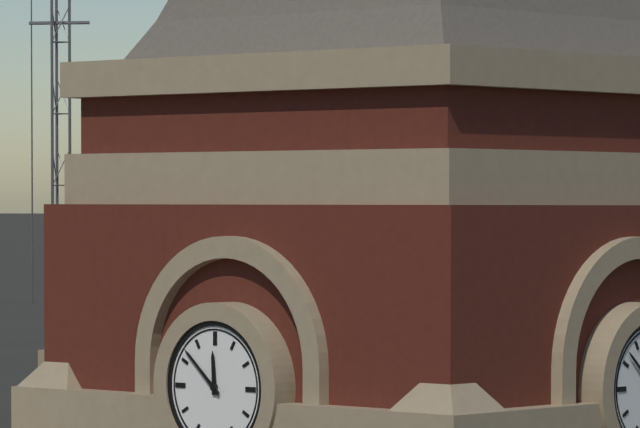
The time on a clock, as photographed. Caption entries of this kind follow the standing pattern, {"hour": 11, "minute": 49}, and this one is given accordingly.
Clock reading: {"hour": 11, "minute": 52}
